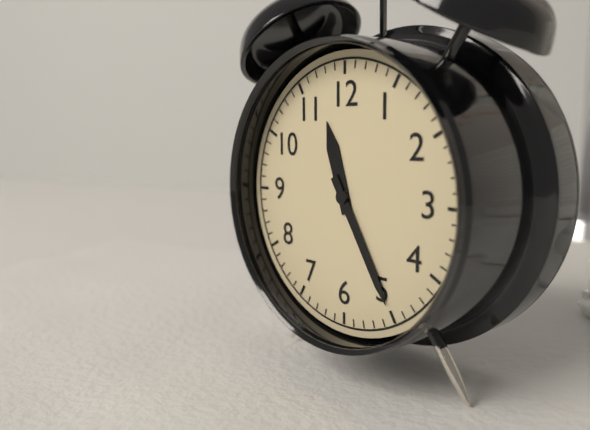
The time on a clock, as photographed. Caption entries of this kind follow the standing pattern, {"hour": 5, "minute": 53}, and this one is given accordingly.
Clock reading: {"hour": 11, "minute": 25}
